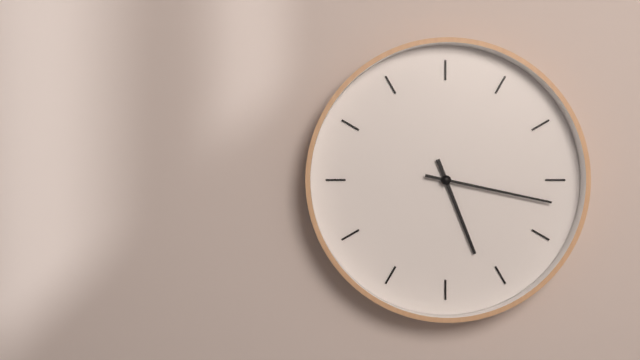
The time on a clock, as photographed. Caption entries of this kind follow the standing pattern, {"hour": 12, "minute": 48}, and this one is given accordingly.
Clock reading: {"hour": 5, "minute": 17}
